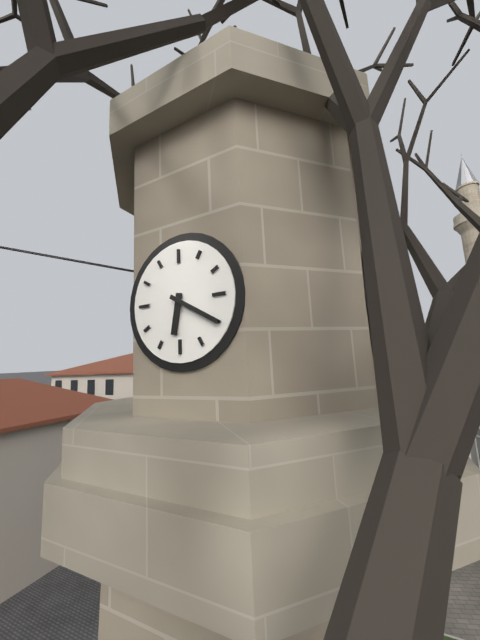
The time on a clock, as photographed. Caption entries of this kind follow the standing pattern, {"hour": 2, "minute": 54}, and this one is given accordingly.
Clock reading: {"hour": 6, "minute": 20}
